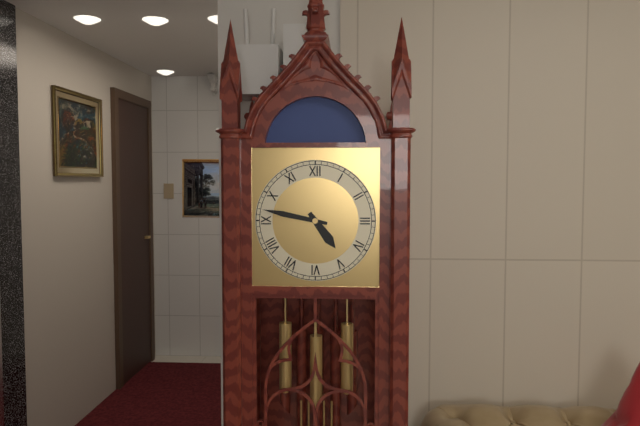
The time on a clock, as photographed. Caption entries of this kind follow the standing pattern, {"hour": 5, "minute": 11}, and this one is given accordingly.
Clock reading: {"hour": 4, "minute": 47}
